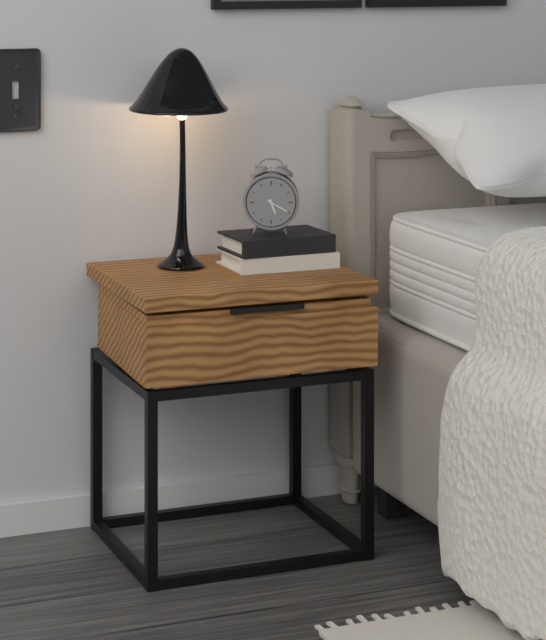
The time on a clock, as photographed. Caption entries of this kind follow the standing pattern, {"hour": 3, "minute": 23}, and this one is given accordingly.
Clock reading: {"hour": 5, "minute": 20}
